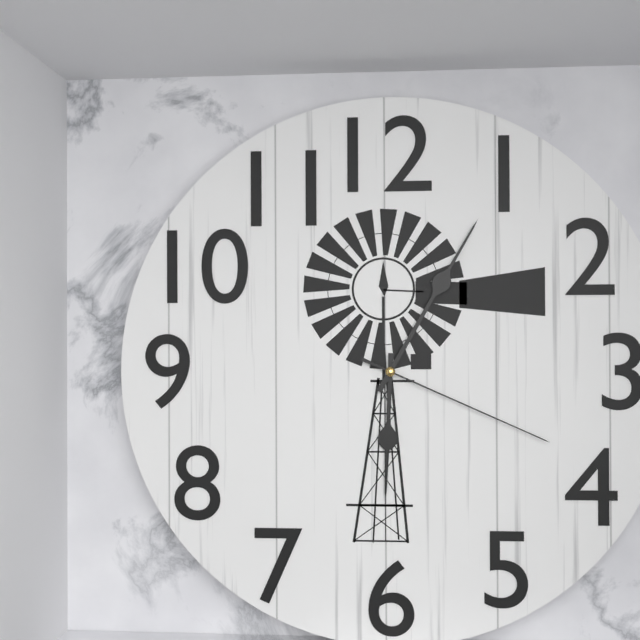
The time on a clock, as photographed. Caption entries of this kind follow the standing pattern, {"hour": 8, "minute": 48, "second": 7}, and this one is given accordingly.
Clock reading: {"hour": 6, "minute": 5, "second": 19}
